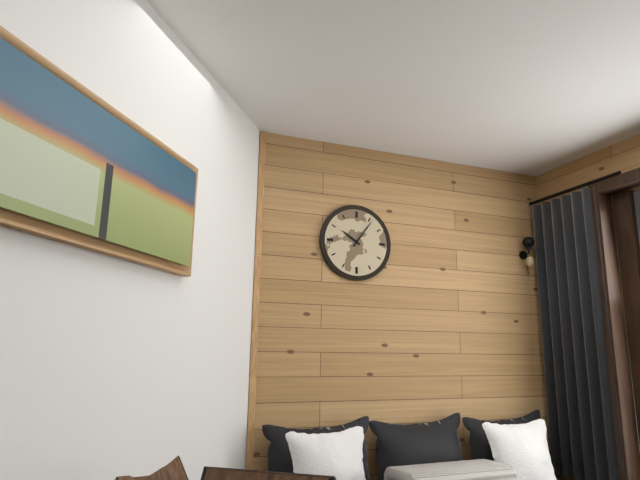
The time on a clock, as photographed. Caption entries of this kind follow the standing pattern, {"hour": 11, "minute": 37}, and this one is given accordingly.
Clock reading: {"hour": 10, "minute": 6}
